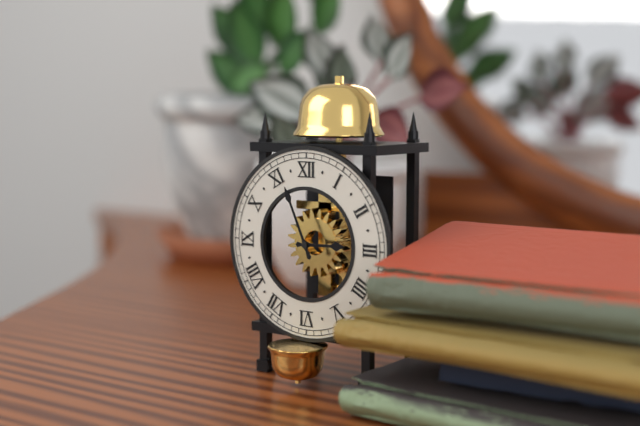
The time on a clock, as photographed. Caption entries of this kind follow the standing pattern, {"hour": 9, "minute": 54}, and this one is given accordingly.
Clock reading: {"hour": 2, "minute": 56}
